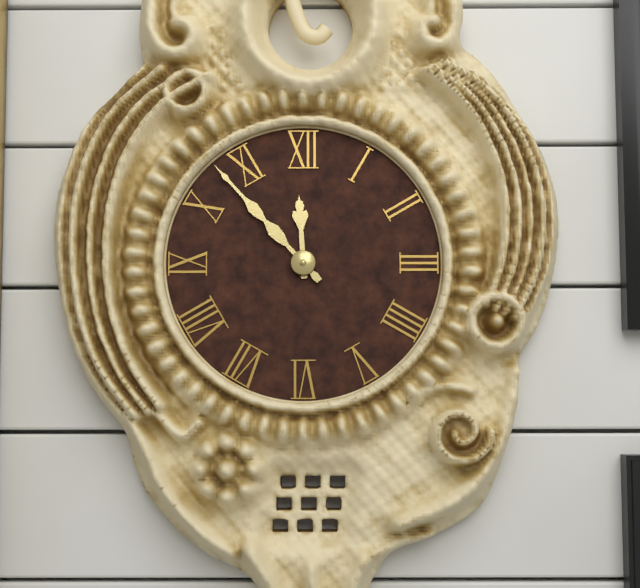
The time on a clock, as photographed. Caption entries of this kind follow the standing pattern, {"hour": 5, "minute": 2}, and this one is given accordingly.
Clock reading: {"hour": 11, "minute": 53}
